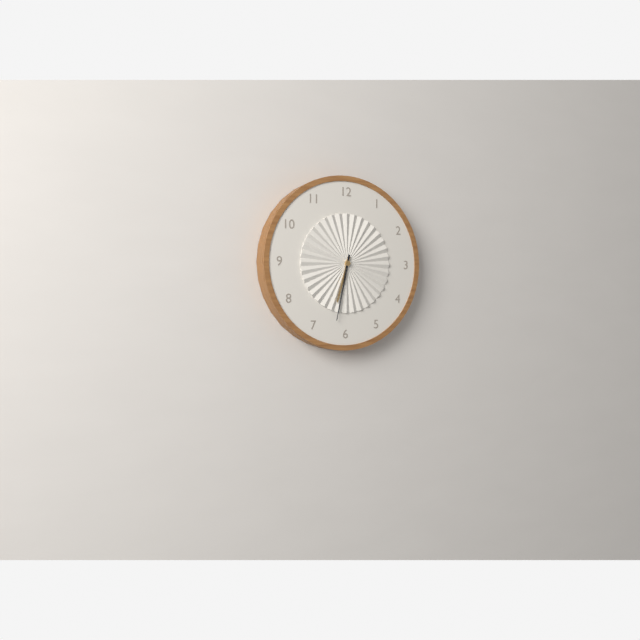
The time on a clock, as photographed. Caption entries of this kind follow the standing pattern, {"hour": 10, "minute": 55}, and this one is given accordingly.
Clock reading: {"hour": 6, "minute": 32}
